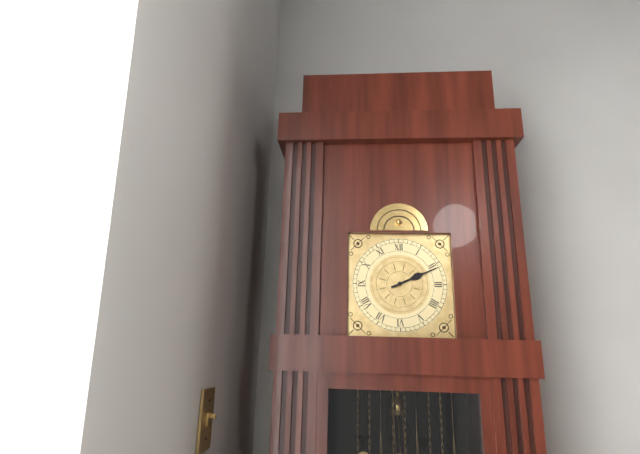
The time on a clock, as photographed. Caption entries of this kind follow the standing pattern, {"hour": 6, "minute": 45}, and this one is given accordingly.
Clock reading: {"hour": 2, "minute": 11}
